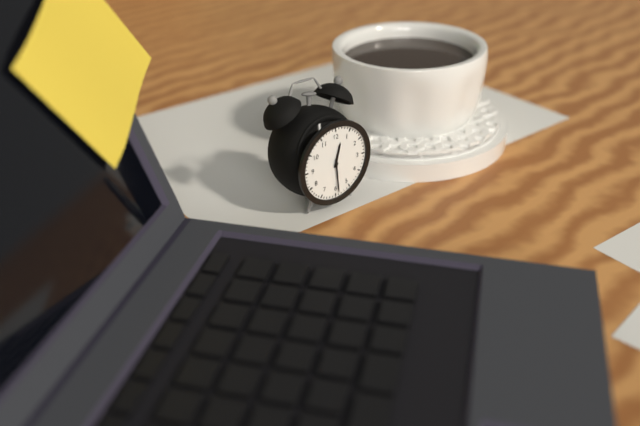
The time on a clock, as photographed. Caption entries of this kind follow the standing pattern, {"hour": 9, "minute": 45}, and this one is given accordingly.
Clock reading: {"hour": 12, "minute": 29}
